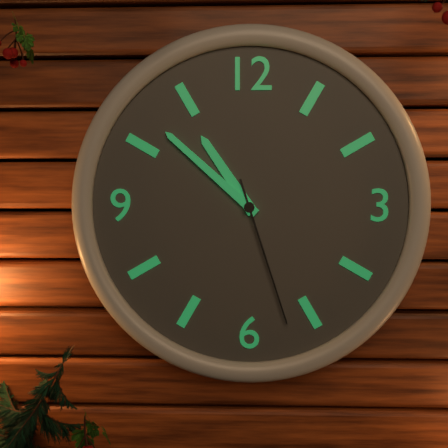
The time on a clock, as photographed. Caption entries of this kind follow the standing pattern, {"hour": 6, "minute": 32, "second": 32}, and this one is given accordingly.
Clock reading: {"hour": 10, "minute": 52, "second": 27}
